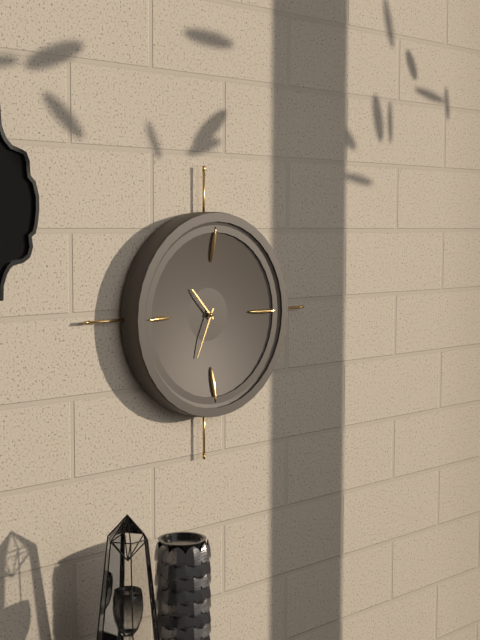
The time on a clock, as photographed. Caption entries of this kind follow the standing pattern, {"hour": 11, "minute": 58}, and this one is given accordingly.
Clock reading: {"hour": 10, "minute": 34}
